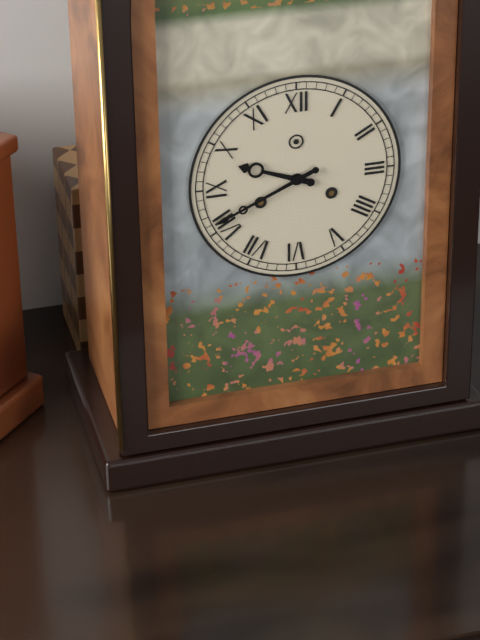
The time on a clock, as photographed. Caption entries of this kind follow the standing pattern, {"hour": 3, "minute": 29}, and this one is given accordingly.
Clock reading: {"hour": 9, "minute": 41}
